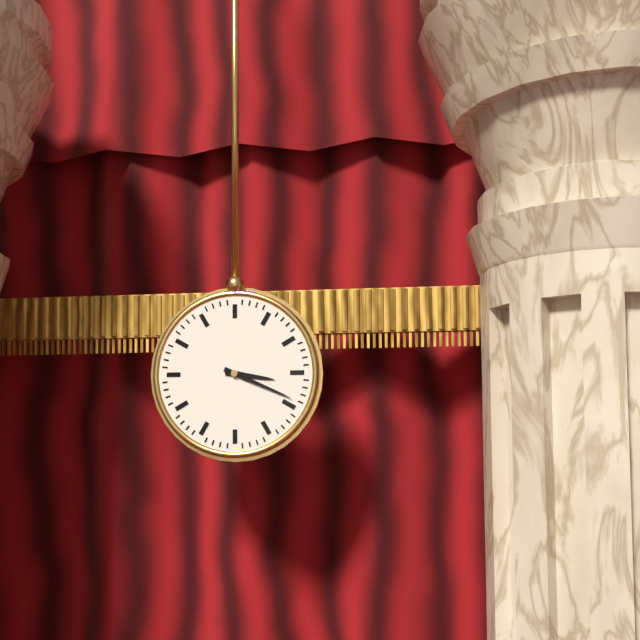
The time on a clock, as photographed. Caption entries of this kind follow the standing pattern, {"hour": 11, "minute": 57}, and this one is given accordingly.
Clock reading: {"hour": 3, "minute": 19}
